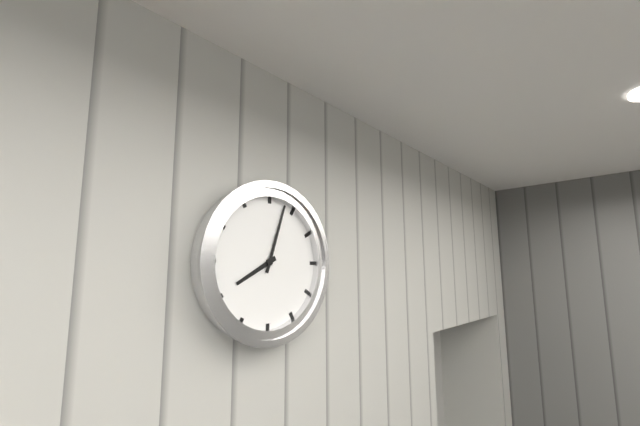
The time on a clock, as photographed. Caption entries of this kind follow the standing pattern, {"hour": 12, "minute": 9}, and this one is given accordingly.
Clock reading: {"hour": 8, "minute": 3}
